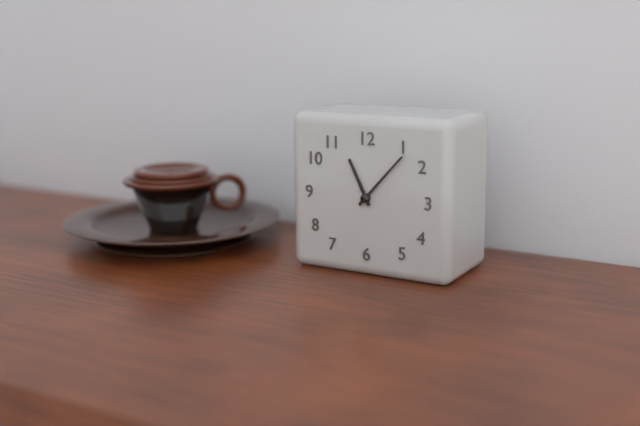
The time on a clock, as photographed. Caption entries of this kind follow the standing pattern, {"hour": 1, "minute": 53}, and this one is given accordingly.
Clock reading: {"hour": 11, "minute": 7}
